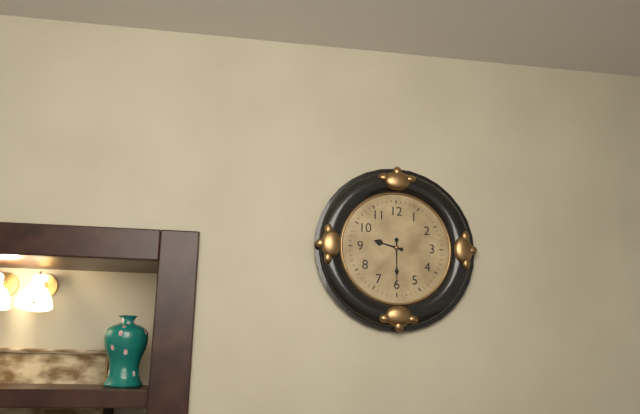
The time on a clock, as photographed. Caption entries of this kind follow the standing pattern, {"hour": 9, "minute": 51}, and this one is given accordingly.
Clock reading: {"hour": 9, "minute": 30}
